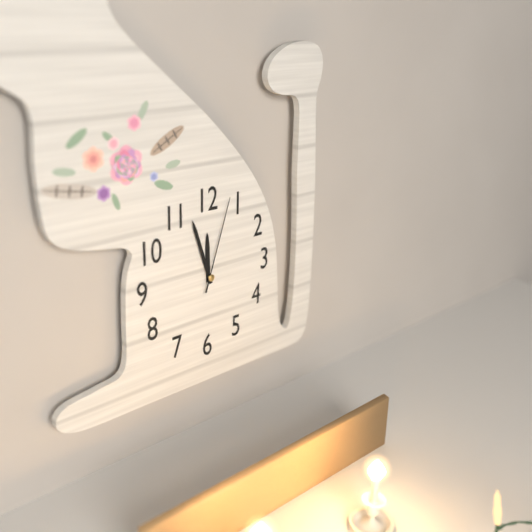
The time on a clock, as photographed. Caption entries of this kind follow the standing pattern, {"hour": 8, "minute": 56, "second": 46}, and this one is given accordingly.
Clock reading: {"hour": 11, "minute": 57, "second": 3}
